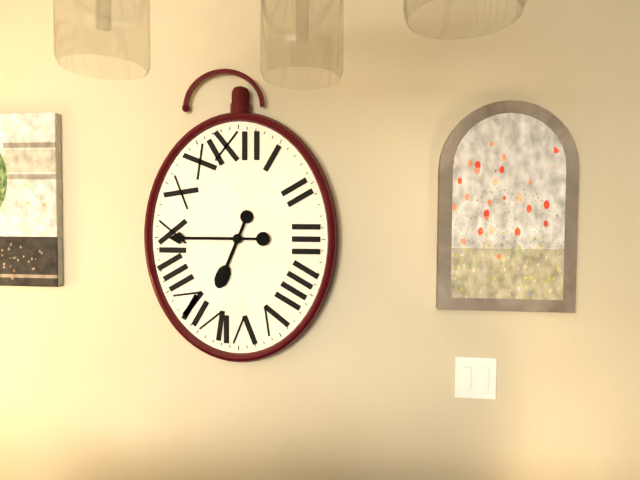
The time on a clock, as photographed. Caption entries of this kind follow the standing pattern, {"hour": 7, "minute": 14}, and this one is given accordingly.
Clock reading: {"hour": 6, "minute": 45}
